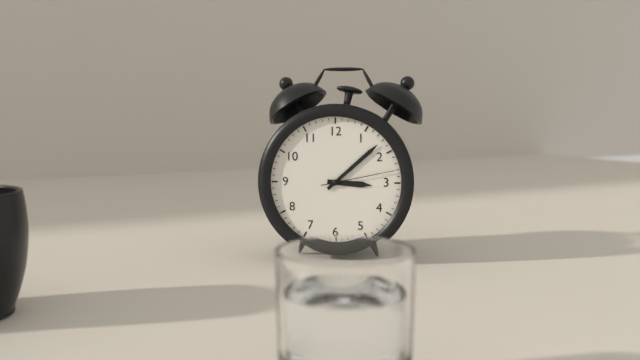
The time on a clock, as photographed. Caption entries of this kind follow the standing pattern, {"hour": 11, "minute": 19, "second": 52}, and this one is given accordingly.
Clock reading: {"hour": 3, "minute": 8, "second": 13}
